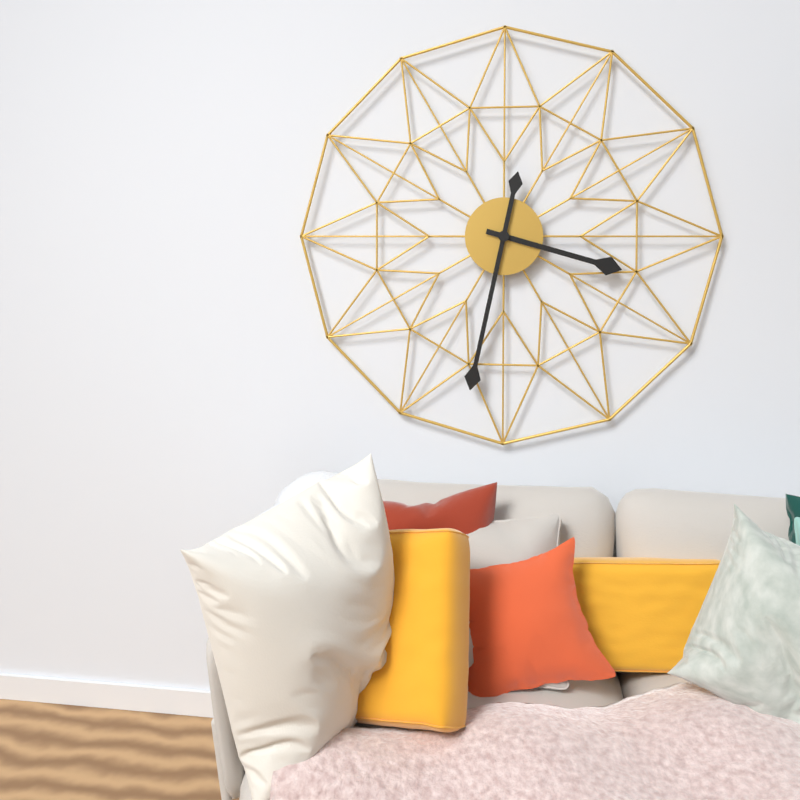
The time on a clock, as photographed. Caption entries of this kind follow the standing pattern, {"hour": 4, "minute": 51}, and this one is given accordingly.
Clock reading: {"hour": 3, "minute": 32}
